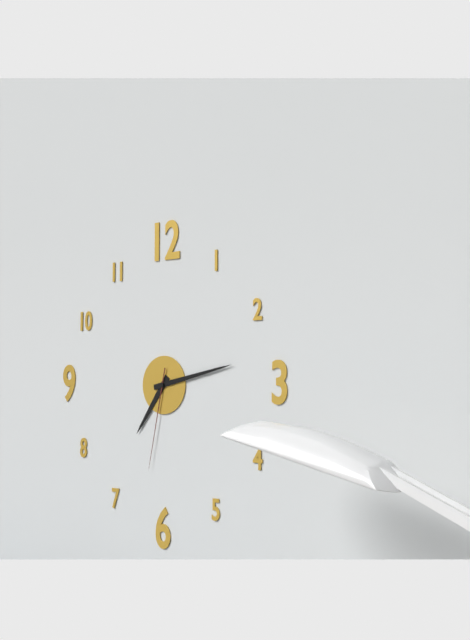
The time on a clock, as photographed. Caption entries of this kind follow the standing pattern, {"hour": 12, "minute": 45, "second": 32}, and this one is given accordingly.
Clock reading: {"hour": 7, "minute": 13, "second": 32}
